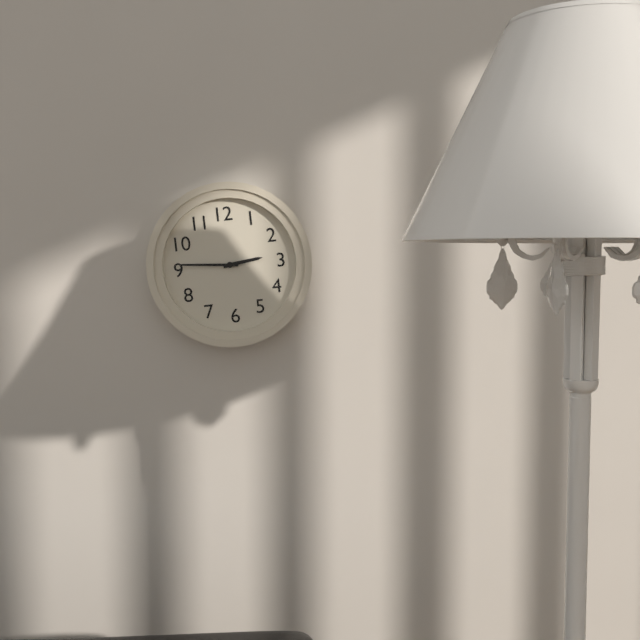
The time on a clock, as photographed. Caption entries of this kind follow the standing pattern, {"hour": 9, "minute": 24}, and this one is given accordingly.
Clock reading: {"hour": 2, "minute": 46}
